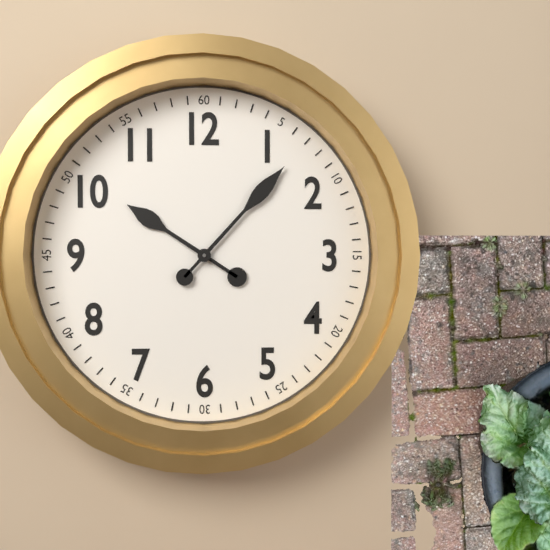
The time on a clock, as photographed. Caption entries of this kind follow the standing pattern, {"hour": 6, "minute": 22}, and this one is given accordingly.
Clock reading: {"hour": 10, "minute": 7}
